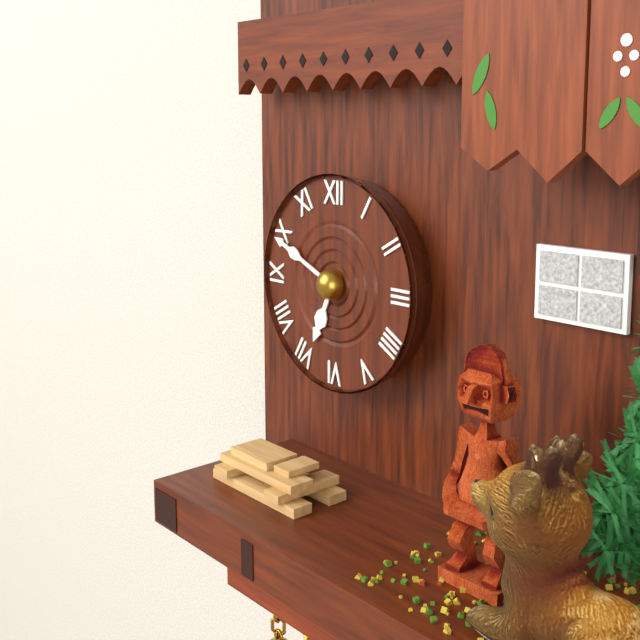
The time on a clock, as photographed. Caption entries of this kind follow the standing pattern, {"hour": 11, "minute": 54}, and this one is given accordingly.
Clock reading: {"hour": 6, "minute": 49}
